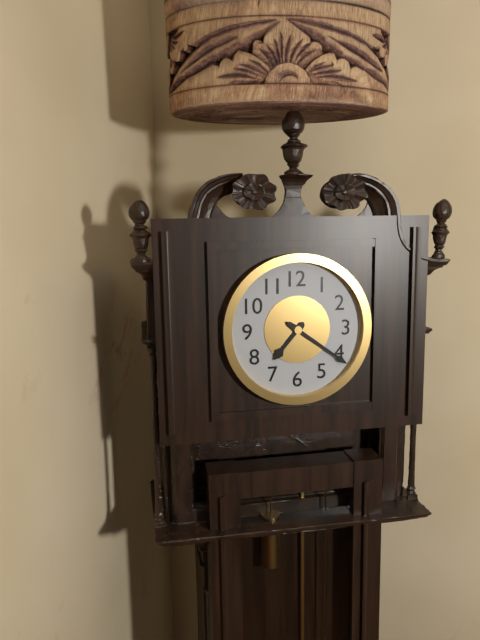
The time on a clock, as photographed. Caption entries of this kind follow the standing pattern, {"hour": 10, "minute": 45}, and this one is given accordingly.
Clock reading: {"hour": 7, "minute": 21}
